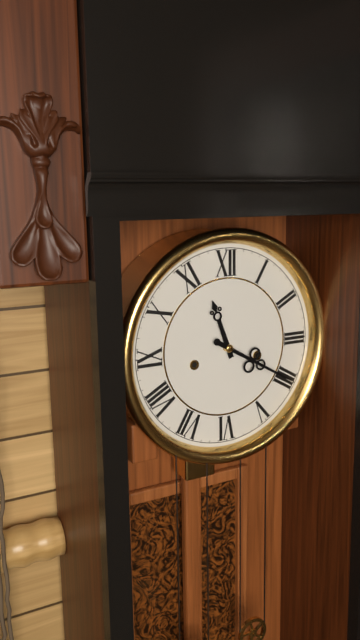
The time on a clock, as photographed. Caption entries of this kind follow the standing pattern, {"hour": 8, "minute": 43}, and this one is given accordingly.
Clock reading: {"hour": 11, "minute": 20}
